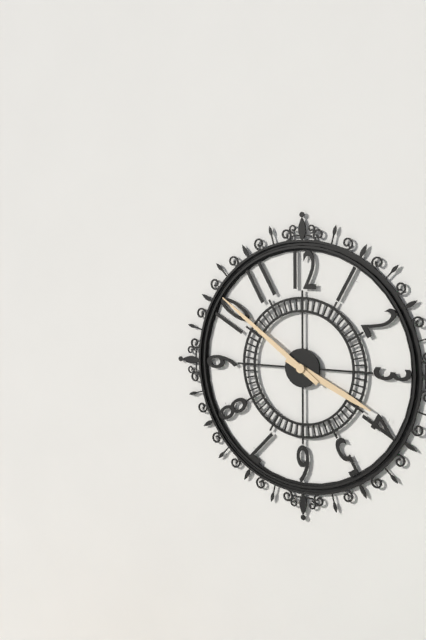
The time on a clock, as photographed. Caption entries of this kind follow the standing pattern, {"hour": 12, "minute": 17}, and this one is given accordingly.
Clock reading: {"hour": 3, "minute": 51}
